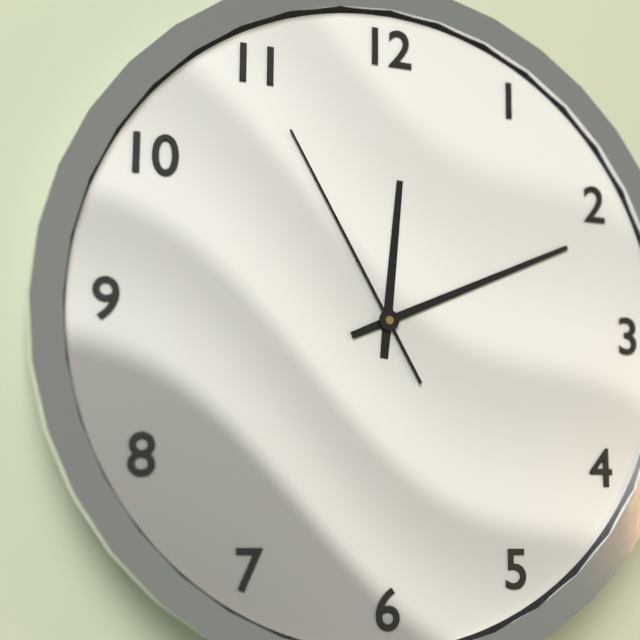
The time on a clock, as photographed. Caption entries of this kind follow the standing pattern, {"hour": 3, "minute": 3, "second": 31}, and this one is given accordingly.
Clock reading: {"hour": 12, "minute": 11, "second": 55}
